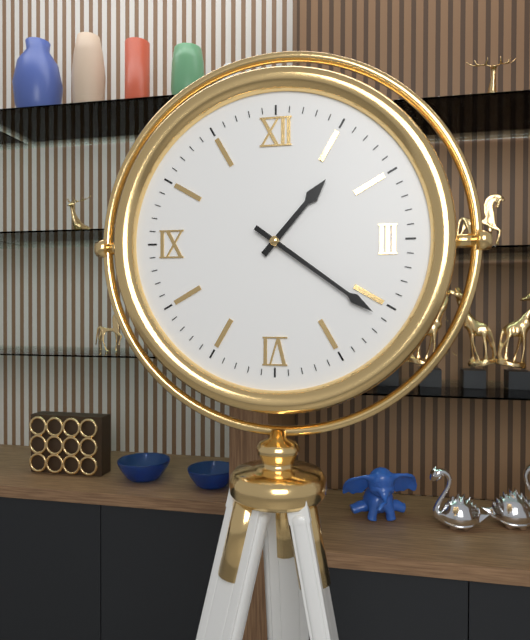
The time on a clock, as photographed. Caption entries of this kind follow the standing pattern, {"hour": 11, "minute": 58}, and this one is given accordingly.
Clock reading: {"hour": 1, "minute": 21}
